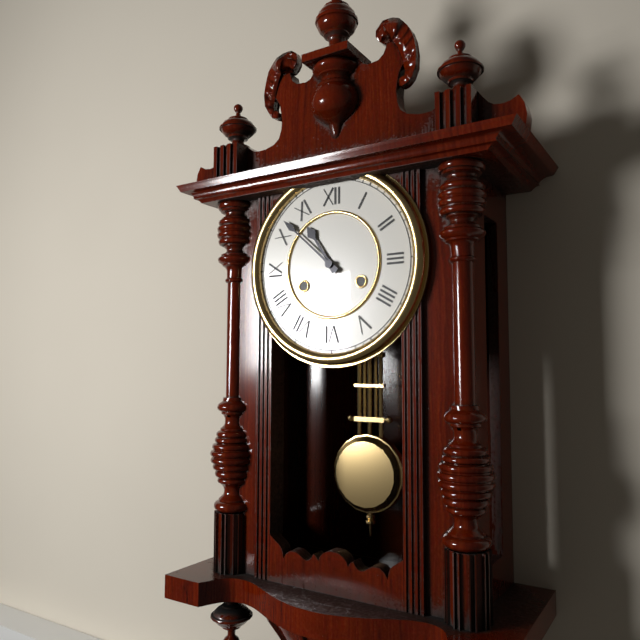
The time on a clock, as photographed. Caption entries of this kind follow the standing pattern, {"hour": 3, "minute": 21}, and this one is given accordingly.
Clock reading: {"hour": 10, "minute": 52}
